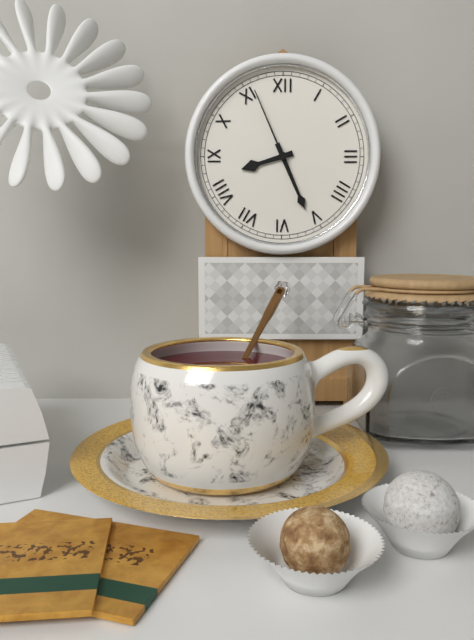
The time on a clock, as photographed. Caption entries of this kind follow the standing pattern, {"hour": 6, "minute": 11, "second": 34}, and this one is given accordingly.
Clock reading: {"hour": 8, "minute": 26, "second": 56}
